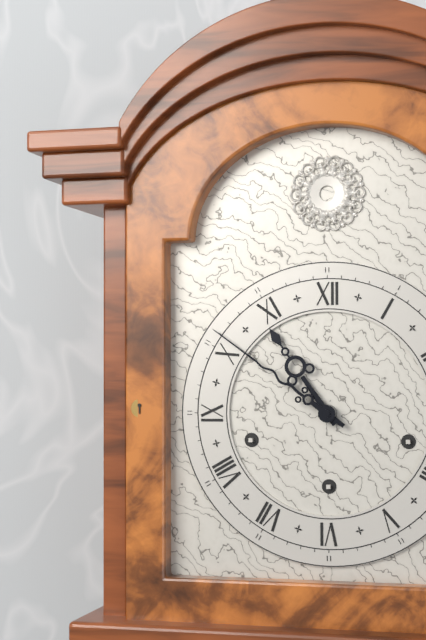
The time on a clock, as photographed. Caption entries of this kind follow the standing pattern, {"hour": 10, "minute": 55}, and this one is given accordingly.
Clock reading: {"hour": 10, "minute": 51}
